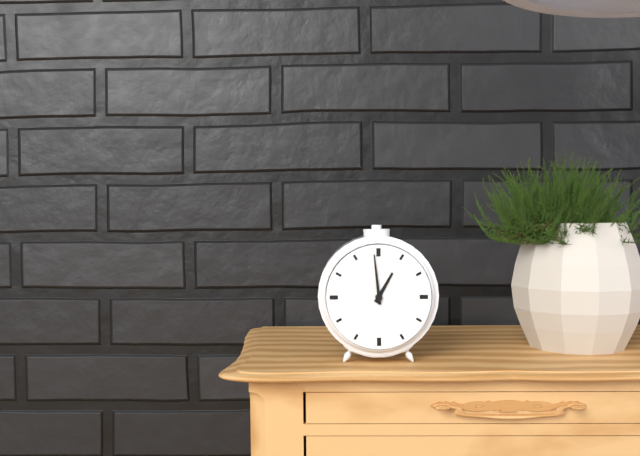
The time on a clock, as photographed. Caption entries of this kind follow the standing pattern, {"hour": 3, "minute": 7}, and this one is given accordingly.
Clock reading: {"hour": 12, "minute": 59}
